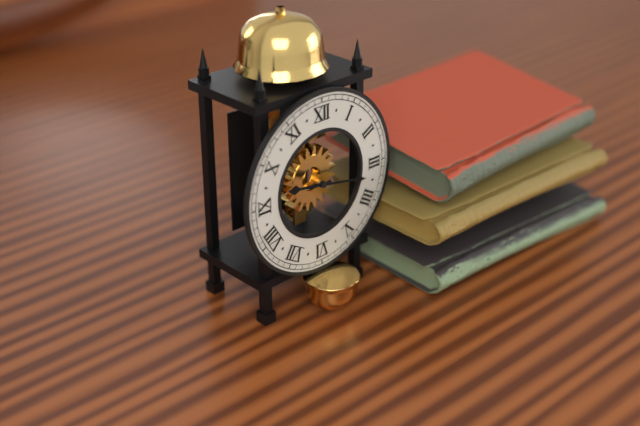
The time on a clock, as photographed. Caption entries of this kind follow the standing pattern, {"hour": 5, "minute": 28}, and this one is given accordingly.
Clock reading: {"hour": 9, "minute": 17}
